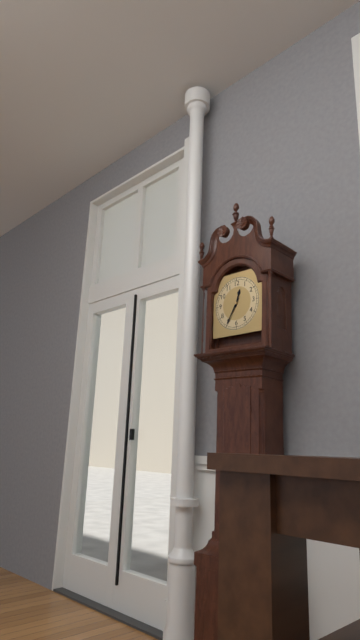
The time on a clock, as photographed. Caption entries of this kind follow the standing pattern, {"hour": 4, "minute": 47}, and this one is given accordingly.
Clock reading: {"hour": 12, "minute": 35}
